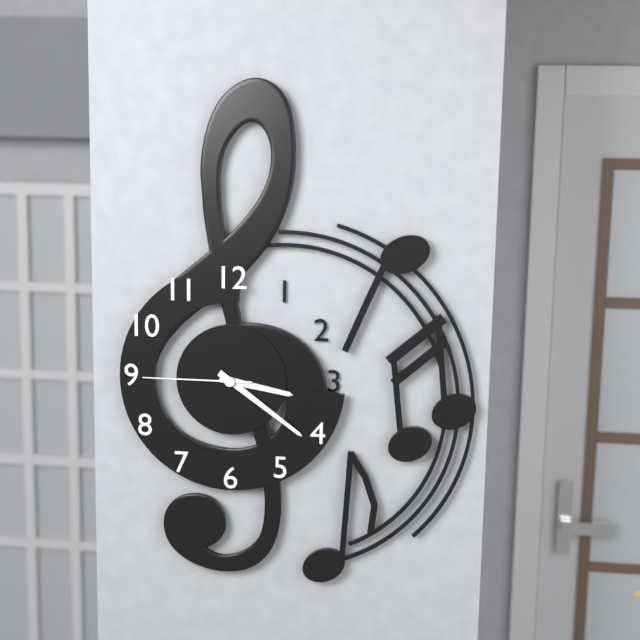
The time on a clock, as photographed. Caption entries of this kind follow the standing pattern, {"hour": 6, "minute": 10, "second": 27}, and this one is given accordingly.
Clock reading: {"hour": 3, "minute": 21, "second": 45}
